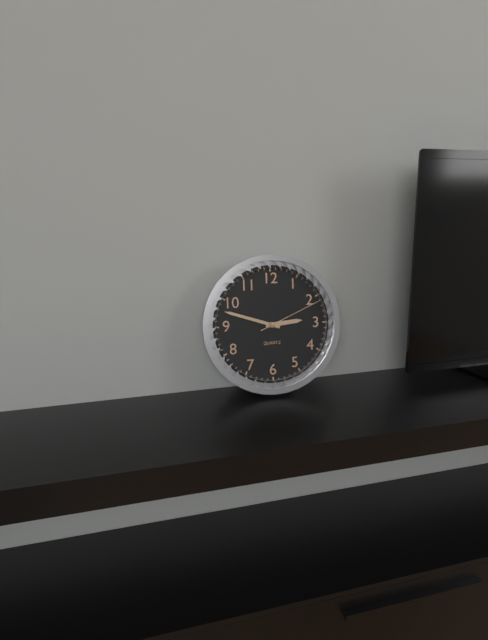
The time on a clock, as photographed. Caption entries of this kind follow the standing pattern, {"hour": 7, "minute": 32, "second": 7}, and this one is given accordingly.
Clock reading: {"hour": 2, "minute": 48, "second": 11}
